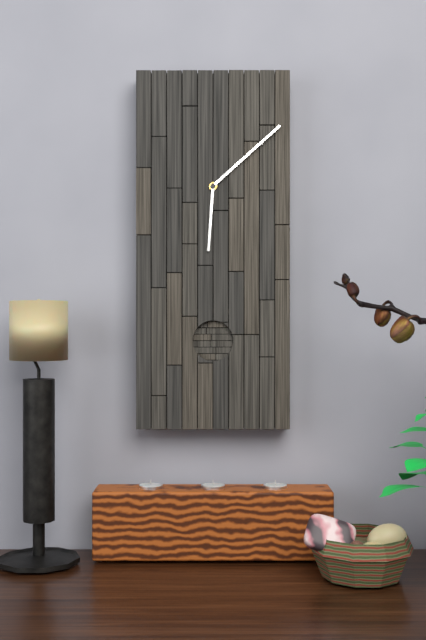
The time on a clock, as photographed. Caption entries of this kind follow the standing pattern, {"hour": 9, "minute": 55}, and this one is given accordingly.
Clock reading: {"hour": 6, "minute": 8}
